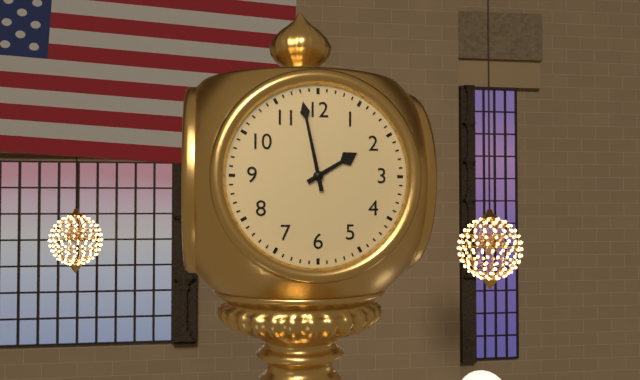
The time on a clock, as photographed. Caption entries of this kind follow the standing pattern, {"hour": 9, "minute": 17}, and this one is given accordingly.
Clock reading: {"hour": 1, "minute": 58}
